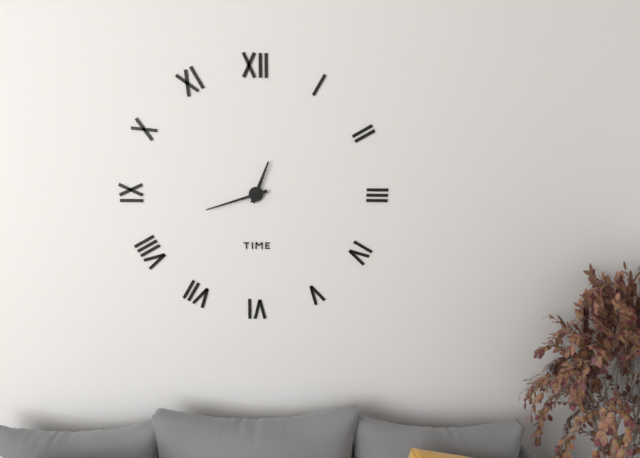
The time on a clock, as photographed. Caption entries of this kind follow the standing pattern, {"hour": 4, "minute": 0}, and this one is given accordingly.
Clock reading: {"hour": 12, "minute": 42}
